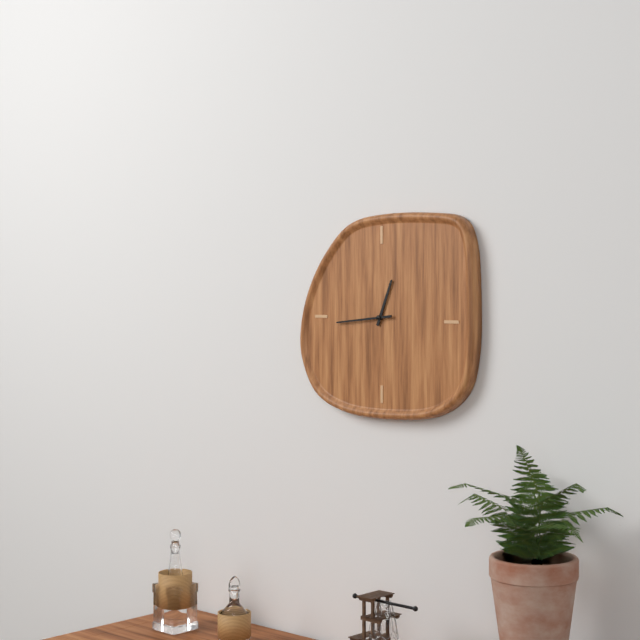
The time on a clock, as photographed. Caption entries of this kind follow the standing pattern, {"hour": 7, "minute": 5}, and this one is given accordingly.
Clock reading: {"hour": 12, "minute": 44}
